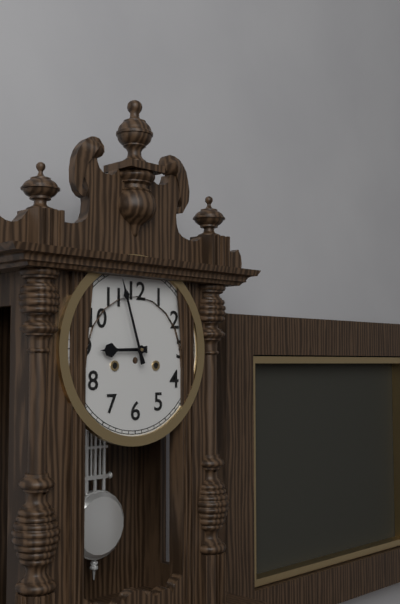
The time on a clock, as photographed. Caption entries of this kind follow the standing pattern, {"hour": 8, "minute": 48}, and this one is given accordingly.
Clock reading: {"hour": 8, "minute": 57}
